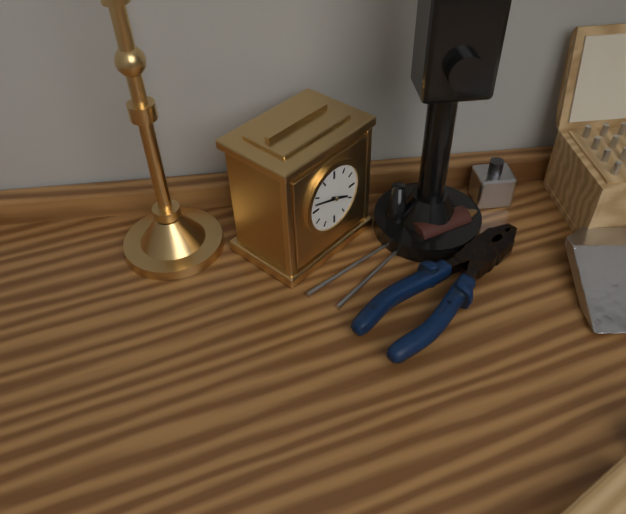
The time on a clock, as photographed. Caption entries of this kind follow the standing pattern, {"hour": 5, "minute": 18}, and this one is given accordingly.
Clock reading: {"hour": 3, "minute": 48}
